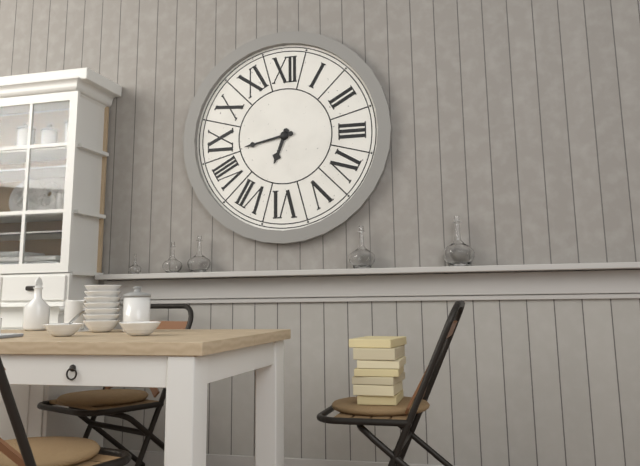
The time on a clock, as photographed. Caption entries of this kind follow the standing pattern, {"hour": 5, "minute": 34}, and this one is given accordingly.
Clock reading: {"hour": 6, "minute": 43}
